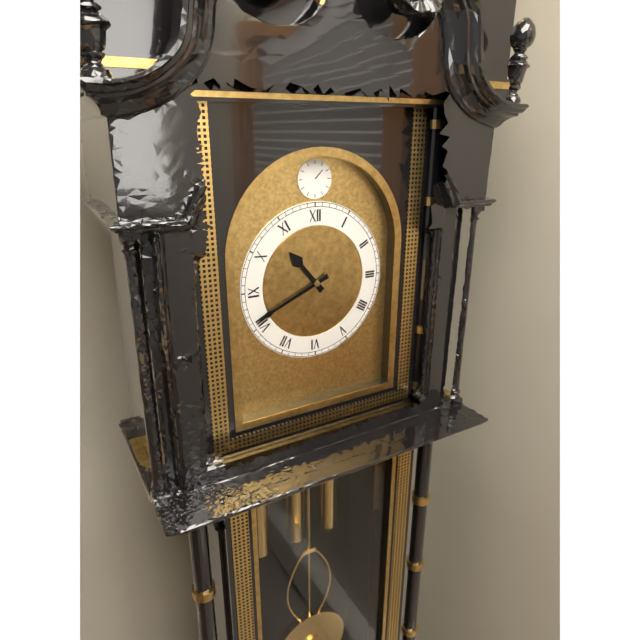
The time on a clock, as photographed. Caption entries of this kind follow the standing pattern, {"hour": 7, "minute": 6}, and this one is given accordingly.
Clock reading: {"hour": 10, "minute": 41}
